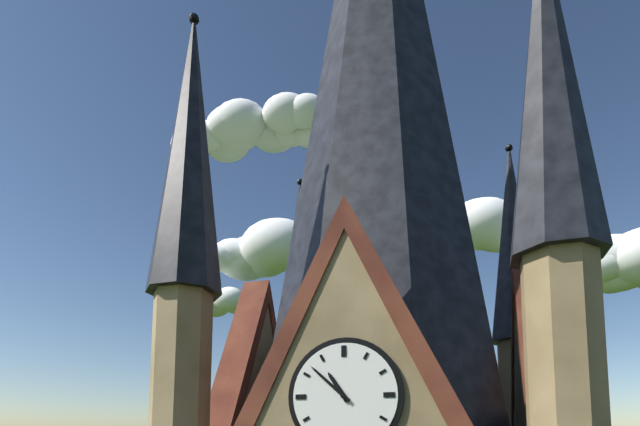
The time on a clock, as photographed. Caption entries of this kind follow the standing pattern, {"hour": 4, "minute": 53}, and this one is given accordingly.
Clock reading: {"hour": 10, "minute": 52}
